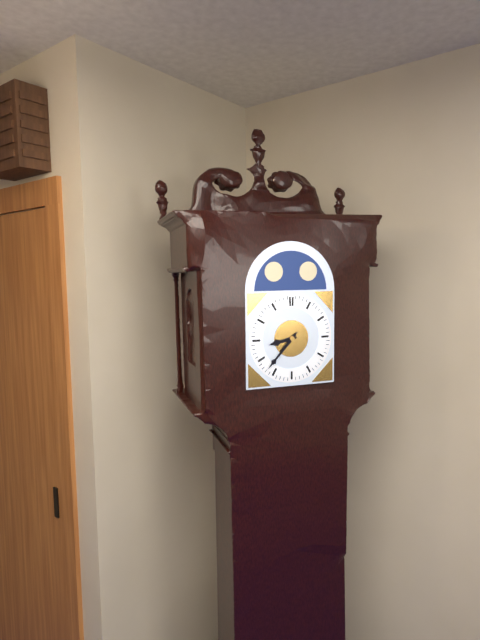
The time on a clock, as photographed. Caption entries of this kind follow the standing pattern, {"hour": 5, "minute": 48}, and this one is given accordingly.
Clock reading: {"hour": 8, "minute": 37}
